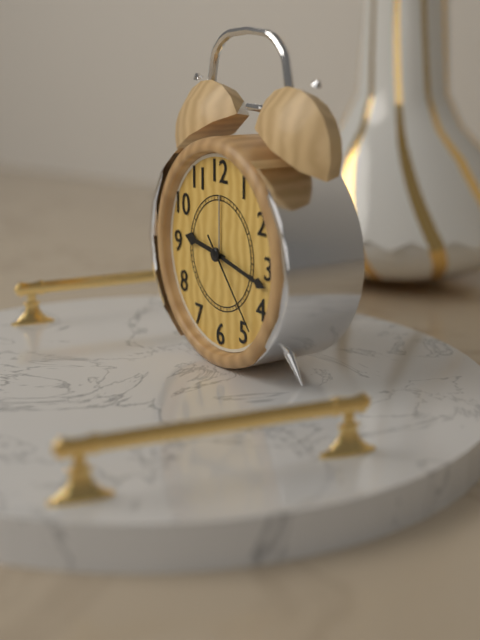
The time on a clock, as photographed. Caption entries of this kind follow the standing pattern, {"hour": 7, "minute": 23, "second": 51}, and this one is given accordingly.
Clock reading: {"hour": 9, "minute": 17, "second": 23}
